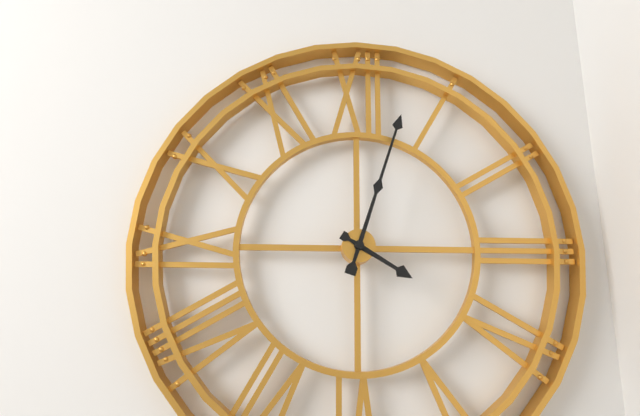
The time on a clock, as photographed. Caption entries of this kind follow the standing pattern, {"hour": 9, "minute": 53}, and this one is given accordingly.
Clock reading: {"hour": 4, "minute": 3}
